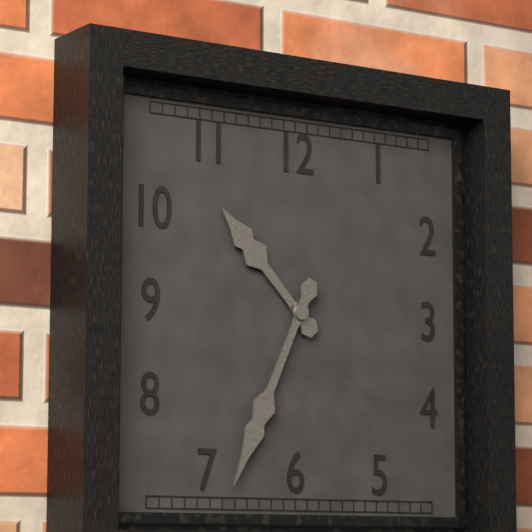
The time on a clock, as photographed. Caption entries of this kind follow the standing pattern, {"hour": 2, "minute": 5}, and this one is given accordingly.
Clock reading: {"hour": 10, "minute": 34}
